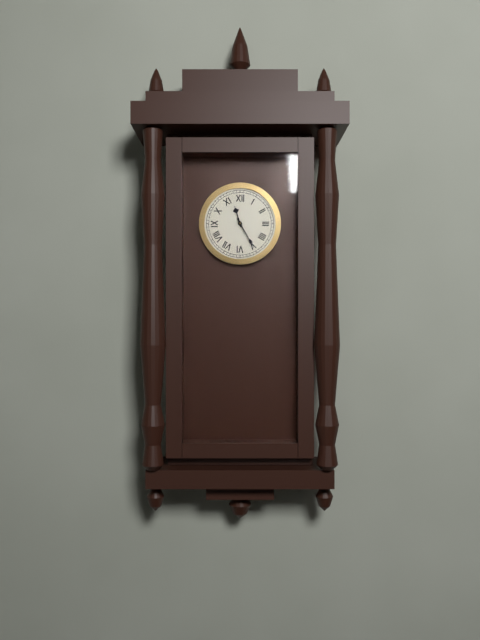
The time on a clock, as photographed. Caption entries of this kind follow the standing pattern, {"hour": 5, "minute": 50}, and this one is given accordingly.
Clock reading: {"hour": 11, "minute": 25}
